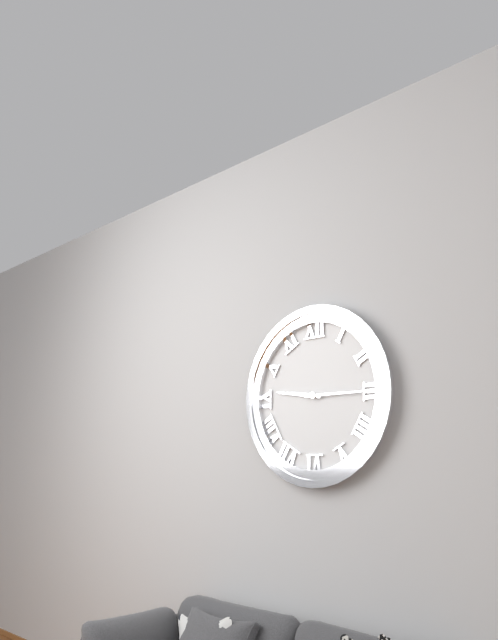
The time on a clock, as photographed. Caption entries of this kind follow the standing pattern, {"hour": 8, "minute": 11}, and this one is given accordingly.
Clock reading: {"hour": 9, "minute": 15}
